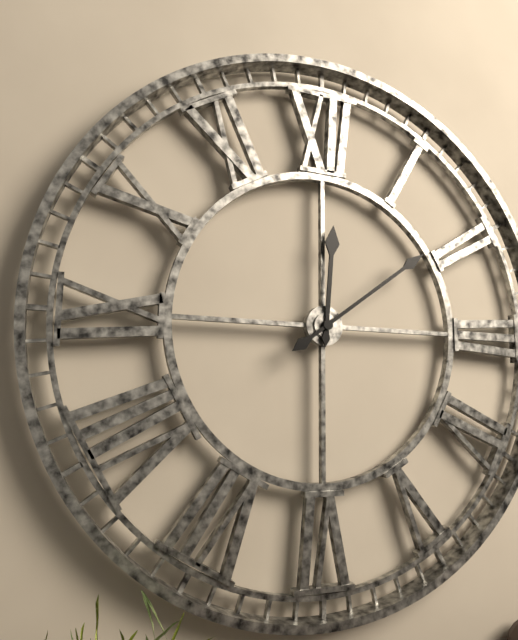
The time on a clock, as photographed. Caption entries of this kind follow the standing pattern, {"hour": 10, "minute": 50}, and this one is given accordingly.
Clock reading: {"hour": 12, "minute": 9}
